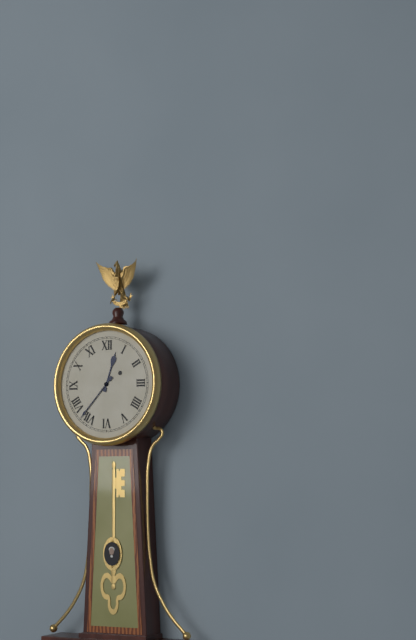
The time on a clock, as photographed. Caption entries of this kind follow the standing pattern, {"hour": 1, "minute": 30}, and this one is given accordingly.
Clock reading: {"hour": 12, "minute": 37}
